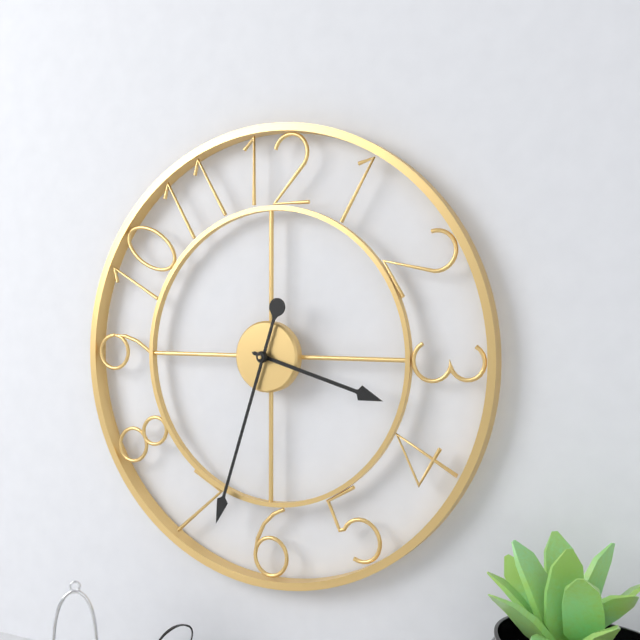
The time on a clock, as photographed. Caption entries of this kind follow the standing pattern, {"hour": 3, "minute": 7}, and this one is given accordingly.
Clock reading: {"hour": 3, "minute": 33}
